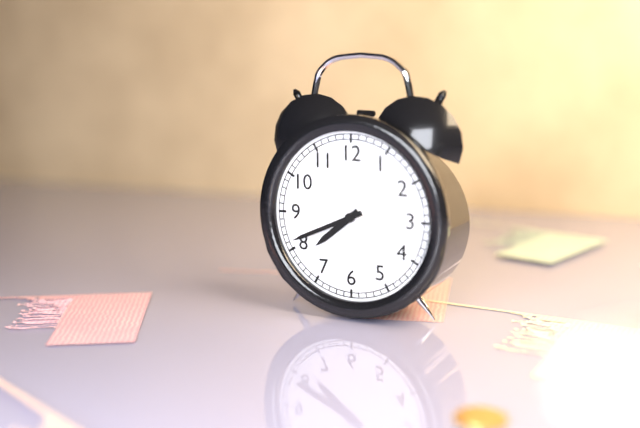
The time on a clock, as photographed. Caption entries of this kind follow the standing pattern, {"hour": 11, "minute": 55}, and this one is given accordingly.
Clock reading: {"hour": 7, "minute": 41}
